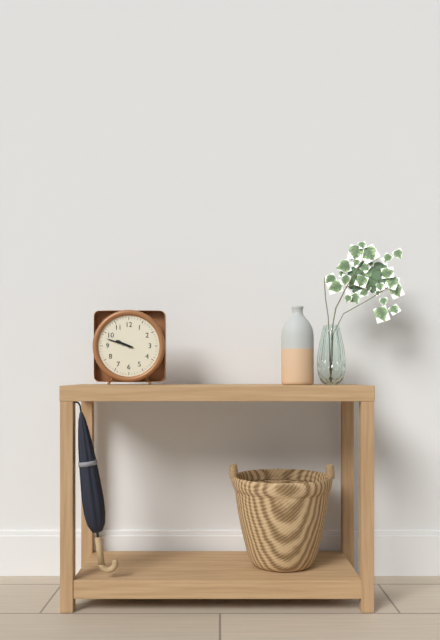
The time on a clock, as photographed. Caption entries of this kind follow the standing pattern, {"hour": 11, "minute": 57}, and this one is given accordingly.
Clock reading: {"hour": 9, "minute": 48}
